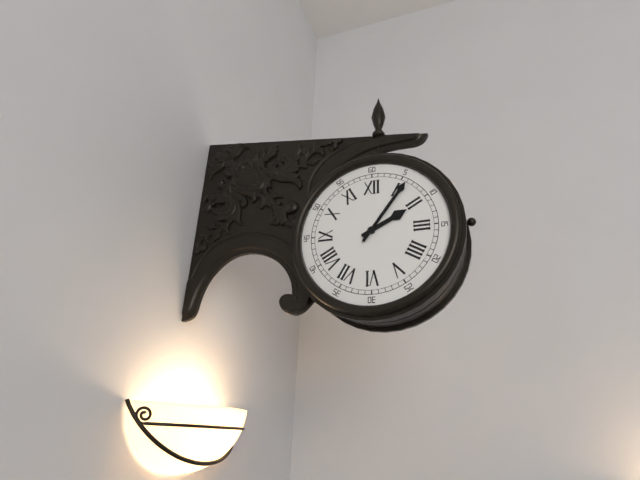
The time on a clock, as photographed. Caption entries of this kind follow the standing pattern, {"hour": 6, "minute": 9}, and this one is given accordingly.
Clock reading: {"hour": 2, "minute": 6}
